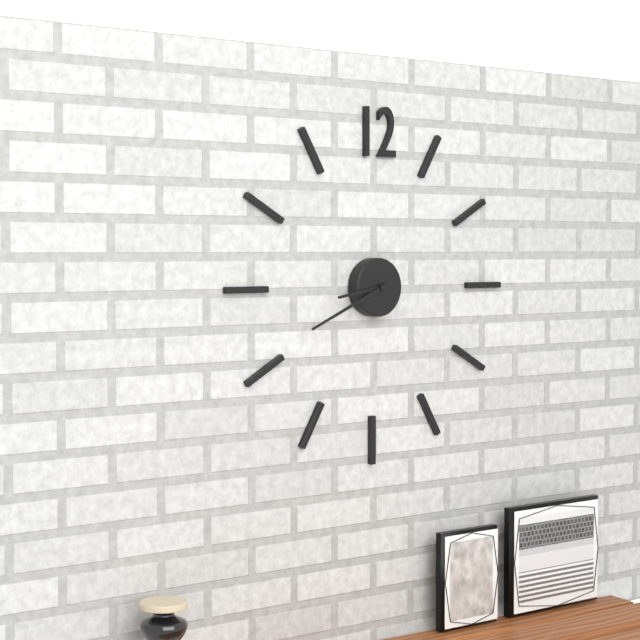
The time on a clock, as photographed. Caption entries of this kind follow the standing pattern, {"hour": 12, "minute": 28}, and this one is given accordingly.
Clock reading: {"hour": 8, "minute": 41}
